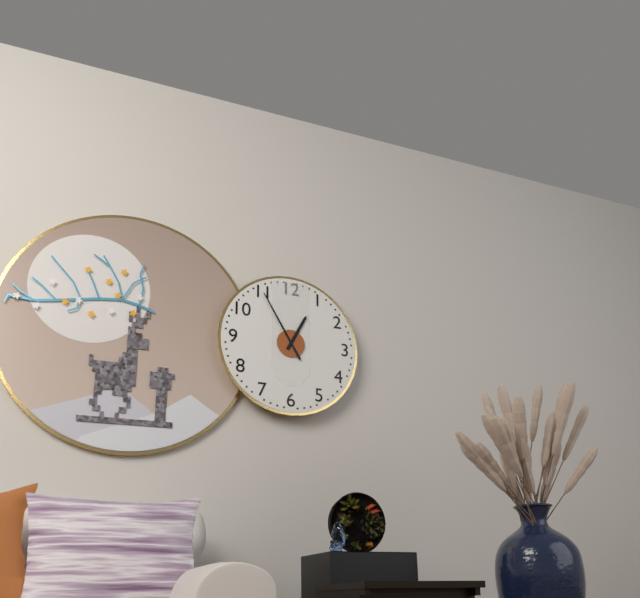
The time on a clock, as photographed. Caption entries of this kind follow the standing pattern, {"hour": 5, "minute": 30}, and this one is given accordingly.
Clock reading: {"hour": 12, "minute": 55}
